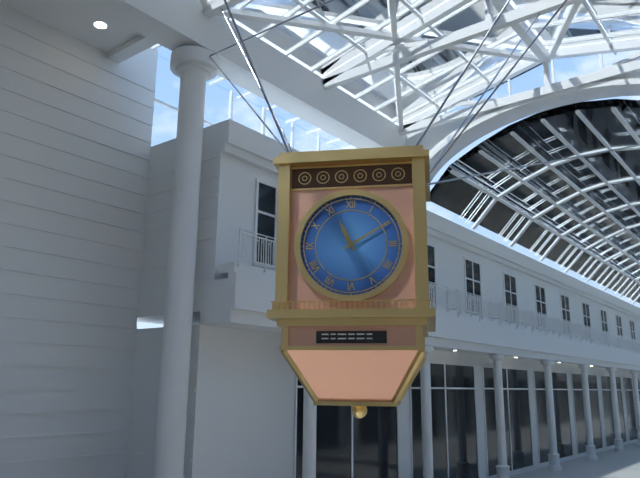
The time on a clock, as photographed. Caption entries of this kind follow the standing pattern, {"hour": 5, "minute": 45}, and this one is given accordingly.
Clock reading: {"hour": 11, "minute": 10}
